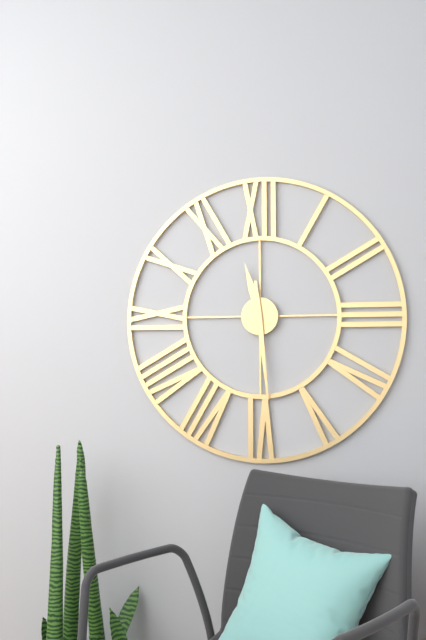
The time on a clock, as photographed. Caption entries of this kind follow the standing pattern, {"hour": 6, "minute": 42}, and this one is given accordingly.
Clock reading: {"hour": 11, "minute": 29}
